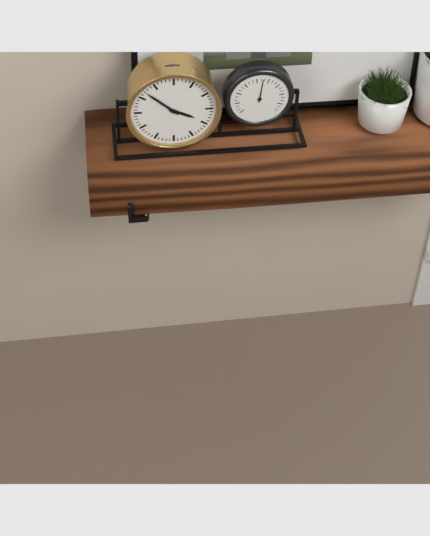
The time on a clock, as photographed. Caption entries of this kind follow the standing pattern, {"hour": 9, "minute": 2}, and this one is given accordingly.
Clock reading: {"hour": 3, "minute": 52}
